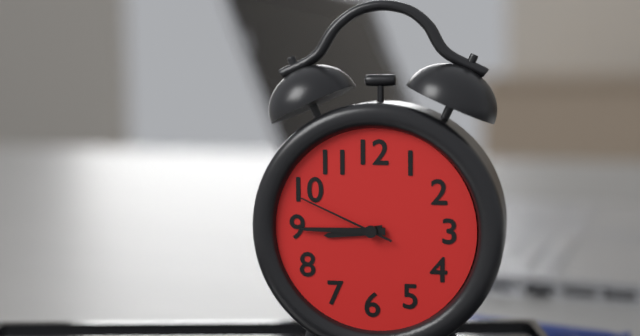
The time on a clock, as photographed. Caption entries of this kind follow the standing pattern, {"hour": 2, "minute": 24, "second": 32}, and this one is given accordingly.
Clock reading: {"hour": 8, "minute": 45, "second": 49}
